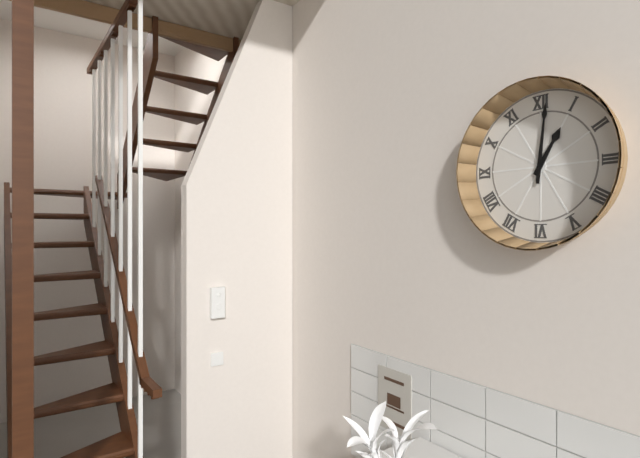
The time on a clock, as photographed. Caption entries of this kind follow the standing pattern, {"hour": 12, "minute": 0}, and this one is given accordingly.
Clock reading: {"hour": 1, "minute": 1}
